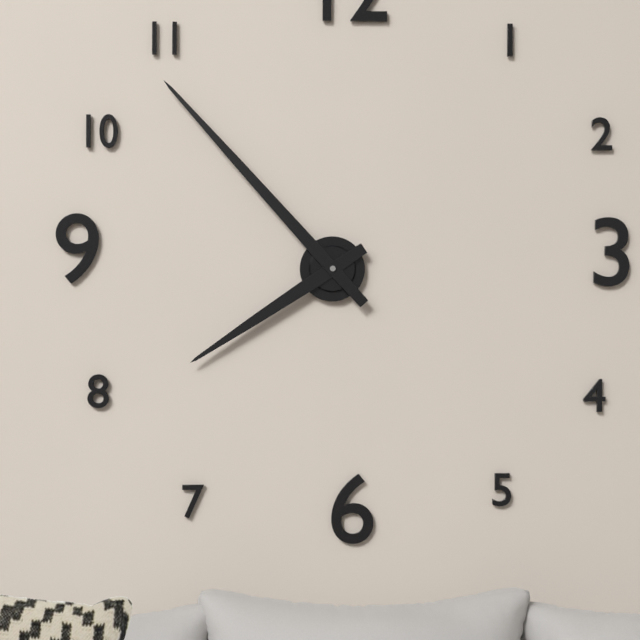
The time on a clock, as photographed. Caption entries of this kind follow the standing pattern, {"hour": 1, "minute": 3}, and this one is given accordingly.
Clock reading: {"hour": 7, "minute": 53}
